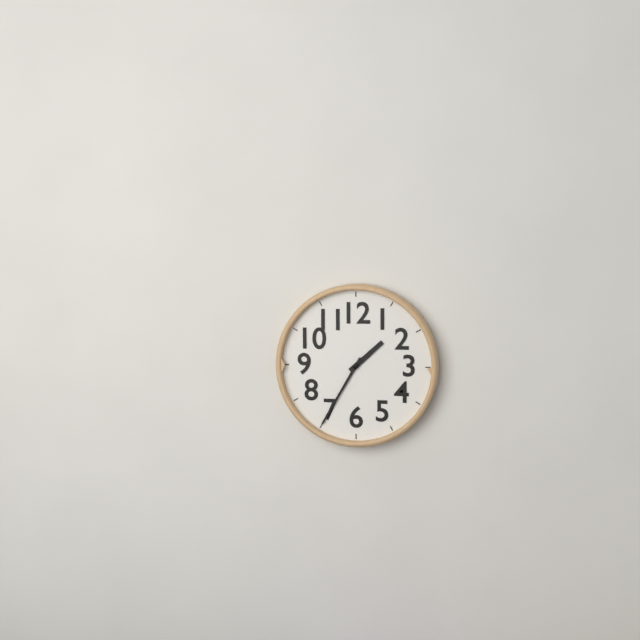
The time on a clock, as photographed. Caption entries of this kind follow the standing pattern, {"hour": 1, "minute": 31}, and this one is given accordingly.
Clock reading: {"hour": 1, "minute": 35}
